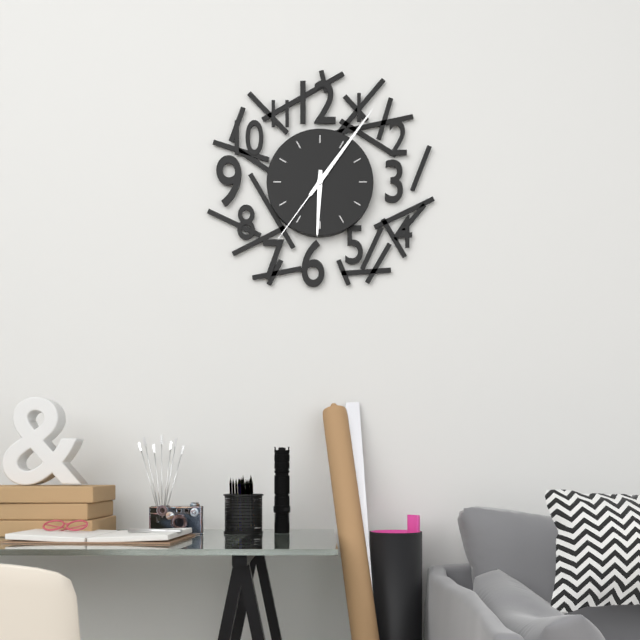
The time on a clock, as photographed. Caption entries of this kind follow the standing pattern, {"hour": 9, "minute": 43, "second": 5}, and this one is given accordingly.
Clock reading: {"hour": 6, "minute": 6, "second": 36}
